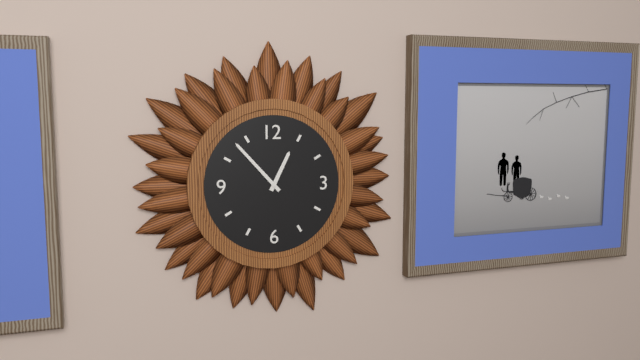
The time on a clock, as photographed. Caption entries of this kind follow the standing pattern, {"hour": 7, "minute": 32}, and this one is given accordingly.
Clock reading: {"hour": 12, "minute": 53}
